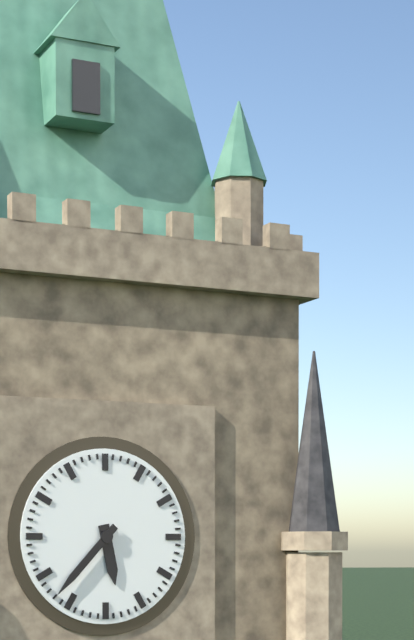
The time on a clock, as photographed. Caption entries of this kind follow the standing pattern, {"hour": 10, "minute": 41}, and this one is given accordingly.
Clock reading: {"hour": 5, "minute": 37}
